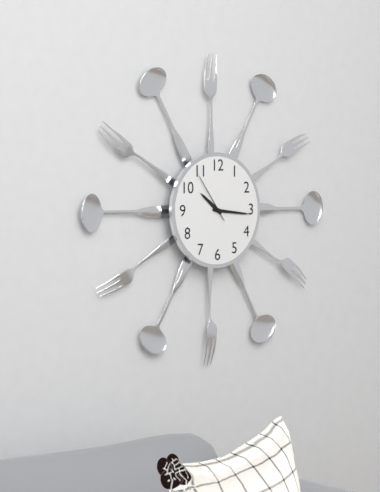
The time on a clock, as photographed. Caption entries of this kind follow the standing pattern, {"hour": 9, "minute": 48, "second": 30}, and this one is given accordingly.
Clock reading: {"hour": 10, "minute": 16, "second": 54}
